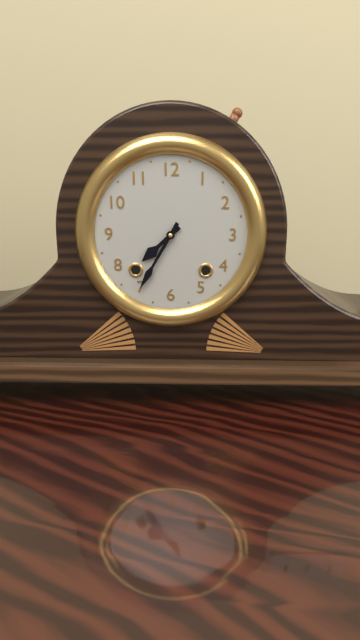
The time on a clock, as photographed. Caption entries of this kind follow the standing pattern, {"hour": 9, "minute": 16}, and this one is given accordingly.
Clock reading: {"hour": 7, "minute": 35}
